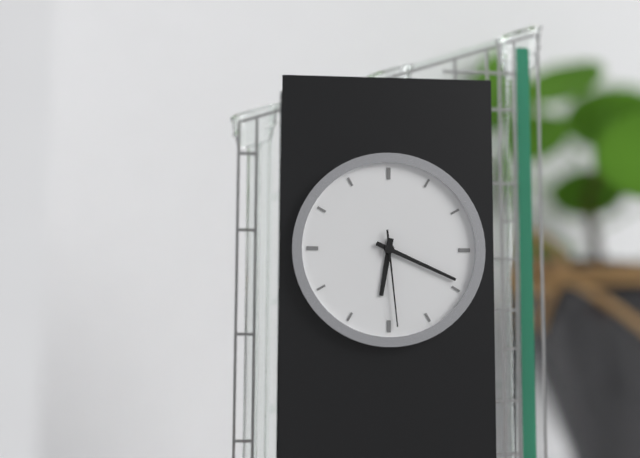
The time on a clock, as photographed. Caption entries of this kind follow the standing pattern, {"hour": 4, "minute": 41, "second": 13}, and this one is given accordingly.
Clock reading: {"hour": 6, "minute": 19, "second": 29}
